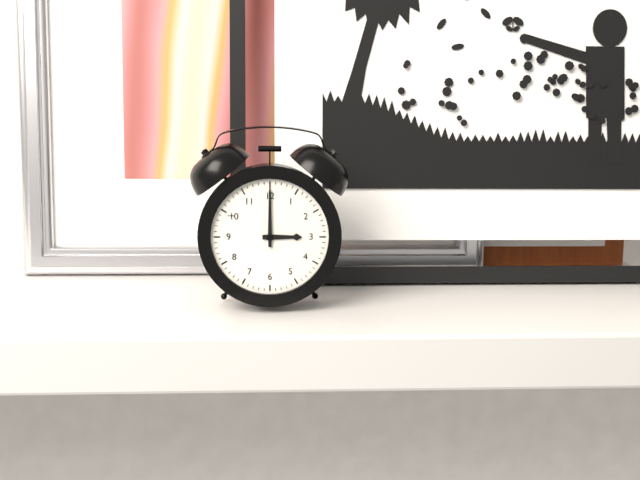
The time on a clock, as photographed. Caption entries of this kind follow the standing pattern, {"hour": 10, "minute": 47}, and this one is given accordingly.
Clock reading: {"hour": 3, "minute": 0}
